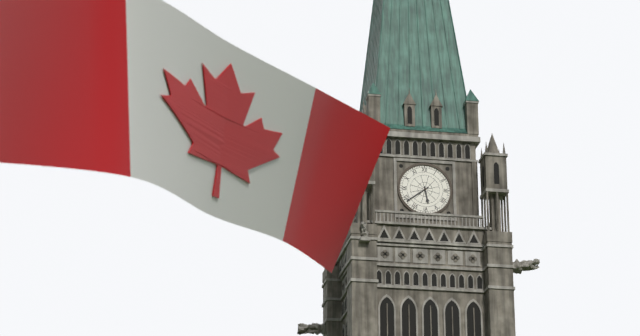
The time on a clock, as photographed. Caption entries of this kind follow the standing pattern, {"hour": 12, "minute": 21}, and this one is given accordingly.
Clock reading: {"hour": 5, "minute": 39}
